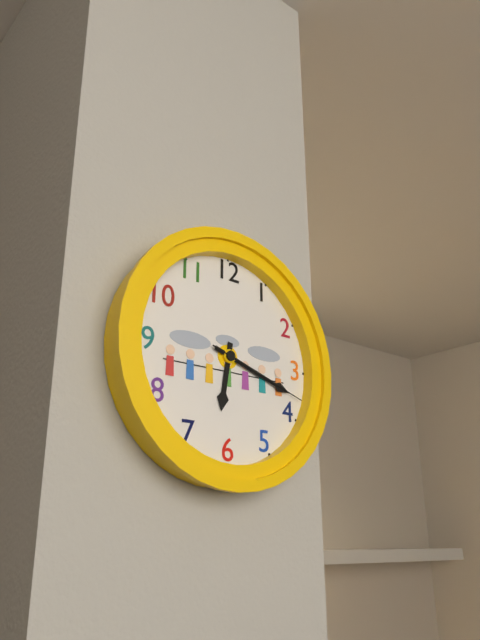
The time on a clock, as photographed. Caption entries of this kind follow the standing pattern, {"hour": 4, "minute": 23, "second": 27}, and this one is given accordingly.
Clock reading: {"hour": 6, "minute": 18, "second": 18}
